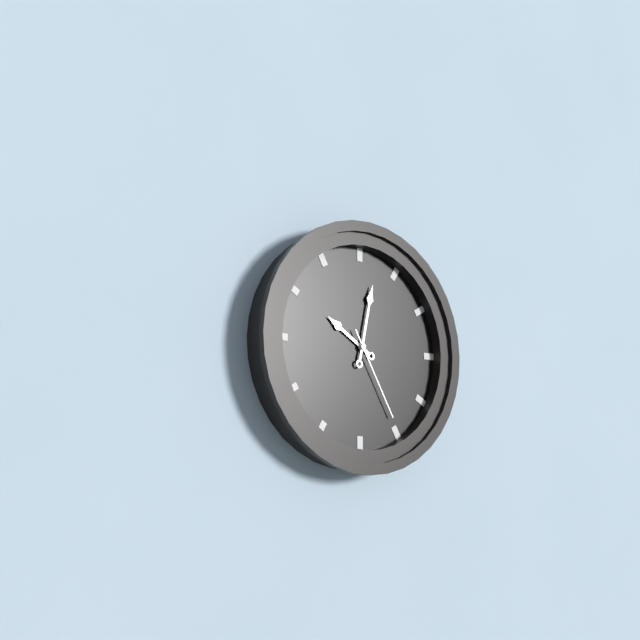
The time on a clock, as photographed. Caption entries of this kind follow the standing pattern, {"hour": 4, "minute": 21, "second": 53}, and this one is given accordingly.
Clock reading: {"hour": 10, "minute": 2, "second": 25}
